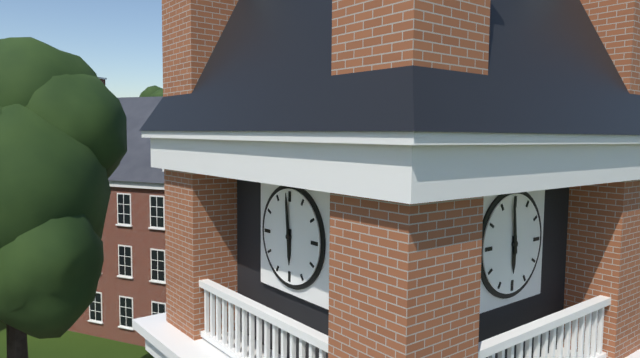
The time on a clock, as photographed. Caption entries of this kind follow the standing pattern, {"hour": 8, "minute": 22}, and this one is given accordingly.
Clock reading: {"hour": 5, "minute": 59}
